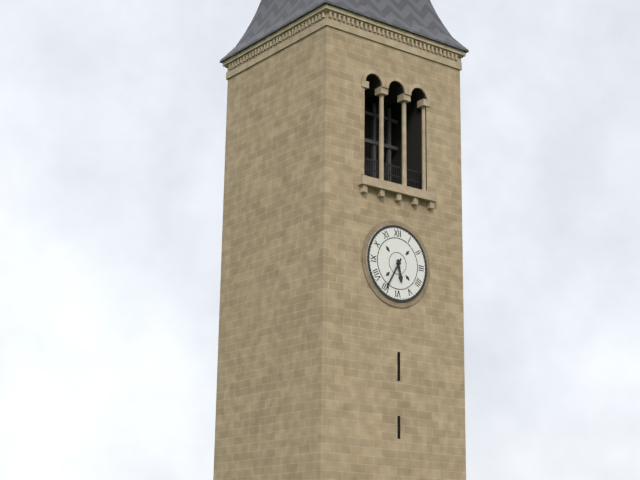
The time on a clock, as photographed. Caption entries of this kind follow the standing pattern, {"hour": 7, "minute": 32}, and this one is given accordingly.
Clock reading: {"hour": 5, "minute": 35}
